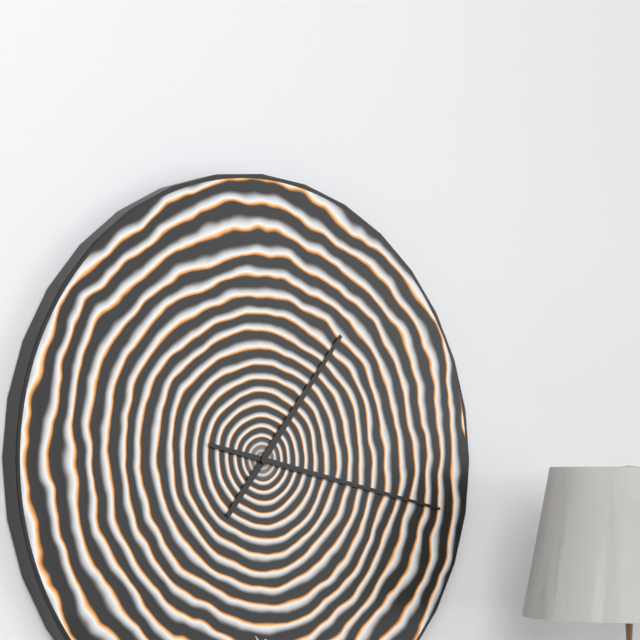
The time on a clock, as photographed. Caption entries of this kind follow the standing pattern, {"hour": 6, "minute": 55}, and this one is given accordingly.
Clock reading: {"hour": 1, "minute": 17}
